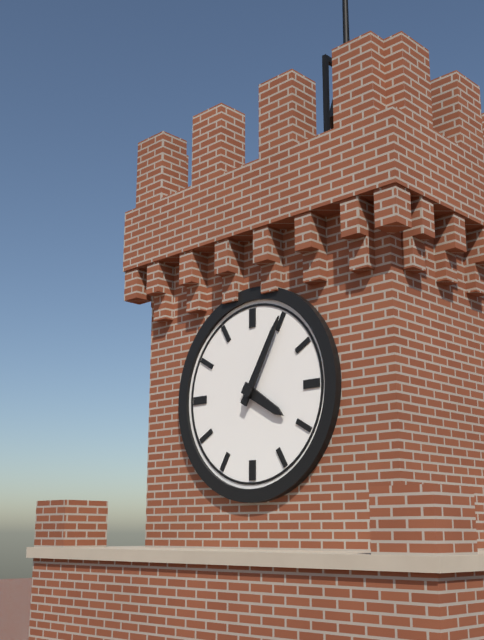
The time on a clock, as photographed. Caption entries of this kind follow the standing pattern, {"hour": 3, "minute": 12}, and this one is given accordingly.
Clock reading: {"hour": 4, "minute": 5}
